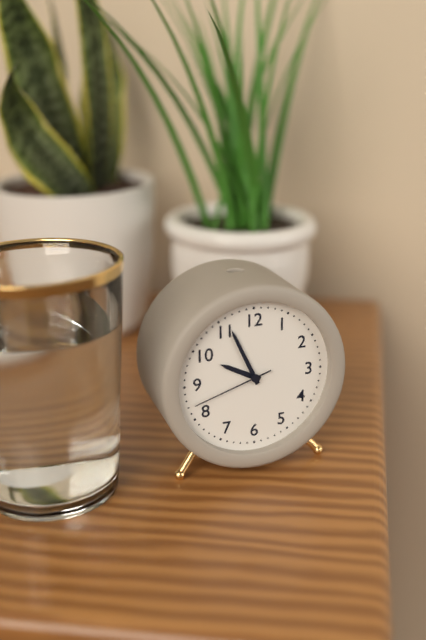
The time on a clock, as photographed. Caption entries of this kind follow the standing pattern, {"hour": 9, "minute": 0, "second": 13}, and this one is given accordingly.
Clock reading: {"hour": 9, "minute": 56, "second": 42}
